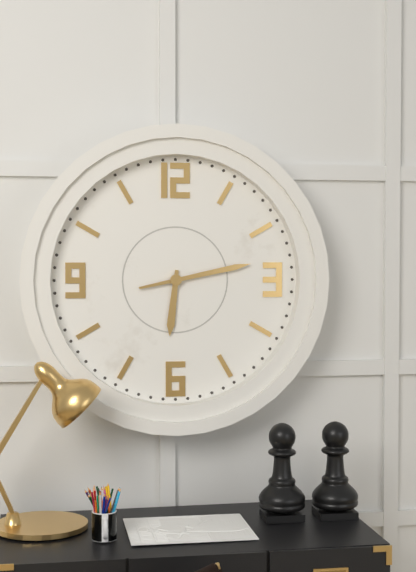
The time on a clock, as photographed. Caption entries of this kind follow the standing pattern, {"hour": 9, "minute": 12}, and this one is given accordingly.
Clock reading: {"hour": 6, "minute": 13}
